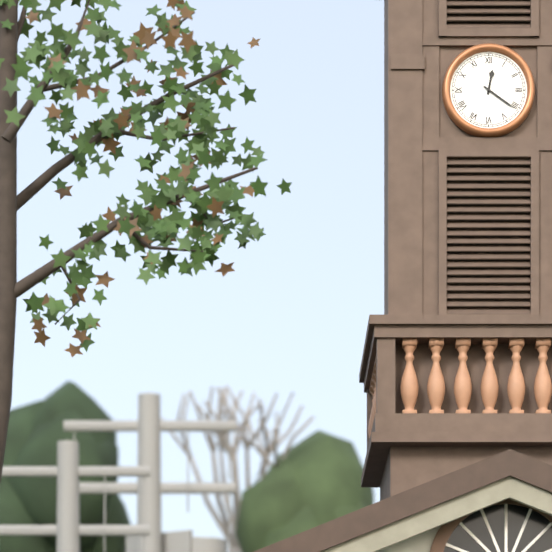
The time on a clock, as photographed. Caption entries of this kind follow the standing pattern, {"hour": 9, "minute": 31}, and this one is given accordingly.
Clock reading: {"hour": 12, "minute": 21}
